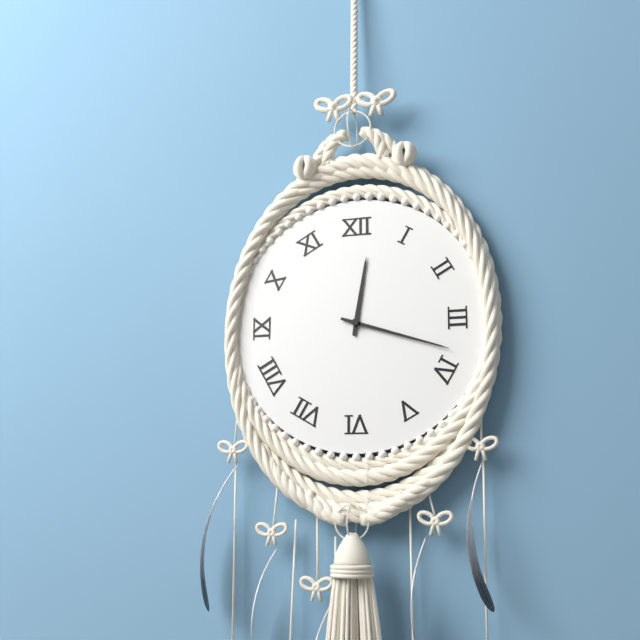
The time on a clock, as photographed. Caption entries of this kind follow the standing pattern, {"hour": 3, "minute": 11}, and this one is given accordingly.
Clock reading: {"hour": 12, "minute": 18}
